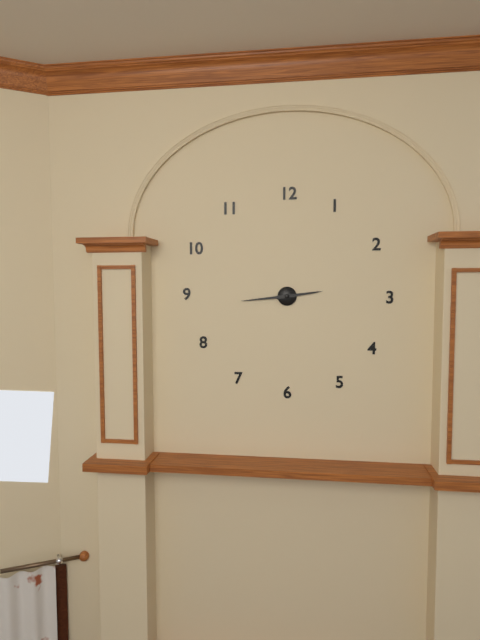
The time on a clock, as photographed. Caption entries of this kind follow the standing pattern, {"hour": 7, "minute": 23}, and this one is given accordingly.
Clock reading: {"hour": 2, "minute": 44}
